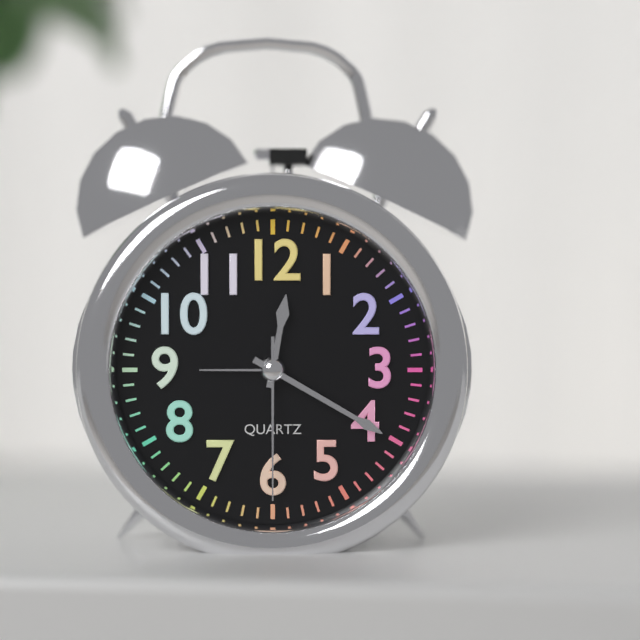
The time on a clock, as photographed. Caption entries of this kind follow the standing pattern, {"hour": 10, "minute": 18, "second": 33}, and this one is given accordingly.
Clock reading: {"hour": 12, "minute": 20, "second": 30}
